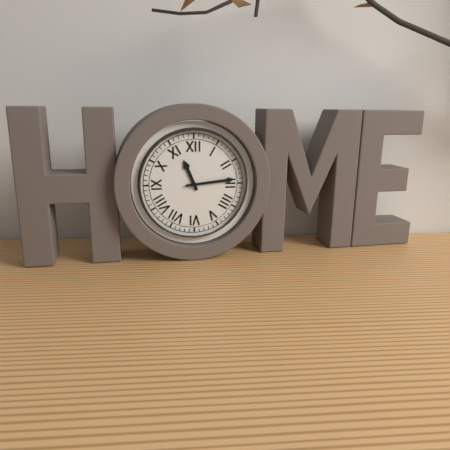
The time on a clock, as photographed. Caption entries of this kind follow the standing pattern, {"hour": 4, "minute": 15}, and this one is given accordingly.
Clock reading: {"hour": 11, "minute": 14}
